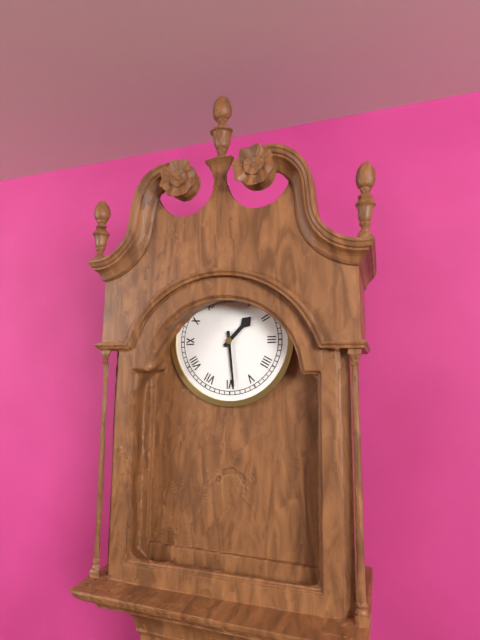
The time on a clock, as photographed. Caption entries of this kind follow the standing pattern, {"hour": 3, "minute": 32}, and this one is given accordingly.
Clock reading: {"hour": 1, "minute": 29}
